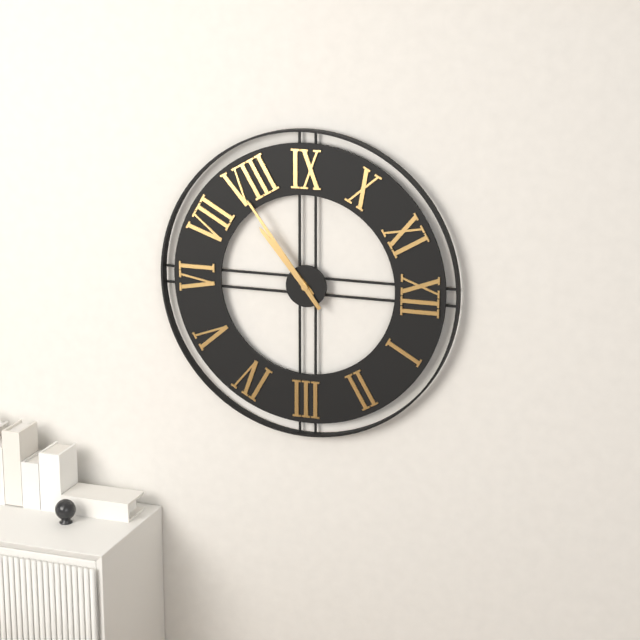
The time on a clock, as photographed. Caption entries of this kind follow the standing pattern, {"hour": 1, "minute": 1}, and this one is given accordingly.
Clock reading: {"hour": 7, "minute": 39}
